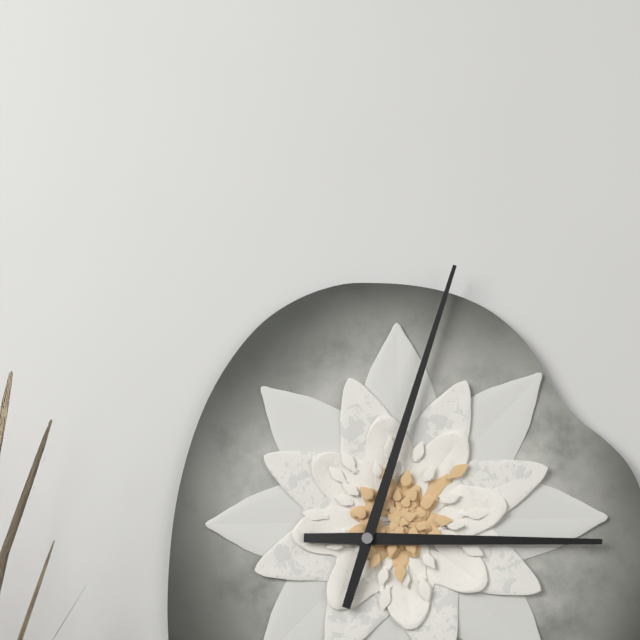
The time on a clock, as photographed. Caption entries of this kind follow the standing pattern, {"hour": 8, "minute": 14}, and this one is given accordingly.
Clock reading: {"hour": 3, "minute": 3}
